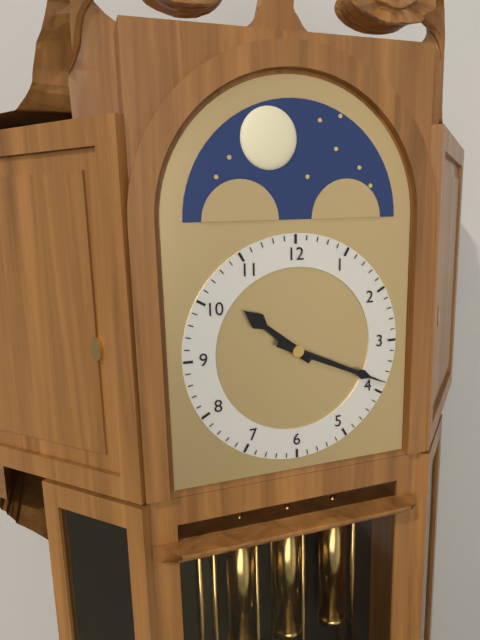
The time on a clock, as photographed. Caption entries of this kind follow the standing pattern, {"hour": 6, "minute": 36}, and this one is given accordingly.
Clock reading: {"hour": 10, "minute": 19}
